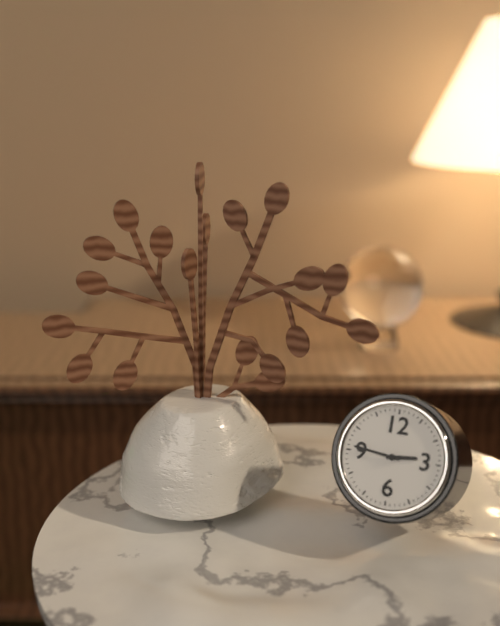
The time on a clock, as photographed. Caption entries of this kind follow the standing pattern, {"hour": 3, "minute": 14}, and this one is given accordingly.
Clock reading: {"hour": 2, "minute": 46}
